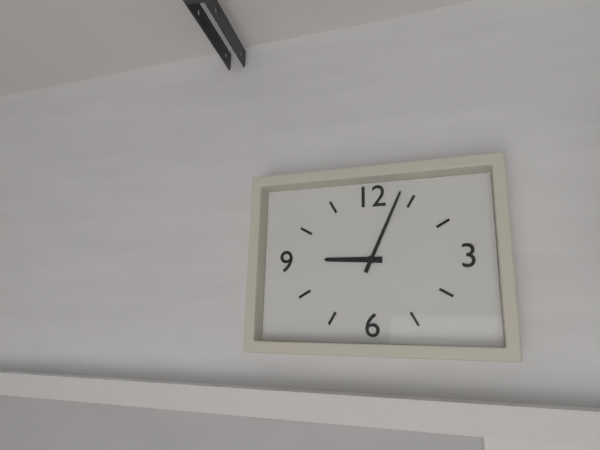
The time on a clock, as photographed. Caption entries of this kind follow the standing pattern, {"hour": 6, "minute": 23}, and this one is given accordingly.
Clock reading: {"hour": 9, "minute": 4}
